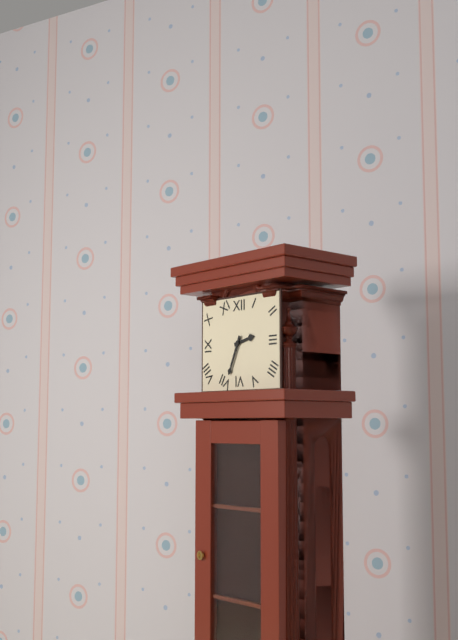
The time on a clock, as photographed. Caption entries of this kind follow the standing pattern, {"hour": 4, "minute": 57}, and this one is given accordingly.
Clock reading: {"hour": 2, "minute": 34}
